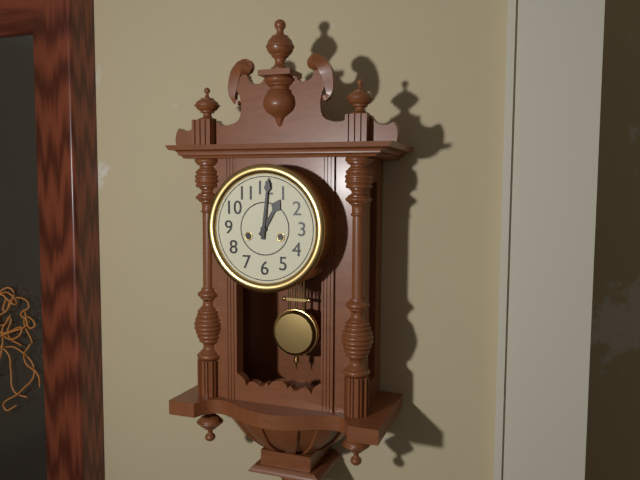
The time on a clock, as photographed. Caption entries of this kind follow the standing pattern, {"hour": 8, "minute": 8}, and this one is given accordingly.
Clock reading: {"hour": 1, "minute": 1}
